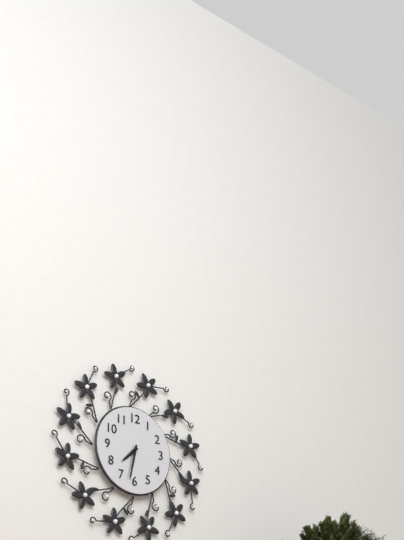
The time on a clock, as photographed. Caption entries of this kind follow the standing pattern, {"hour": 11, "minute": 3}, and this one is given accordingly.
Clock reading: {"hour": 7, "minute": 32}
